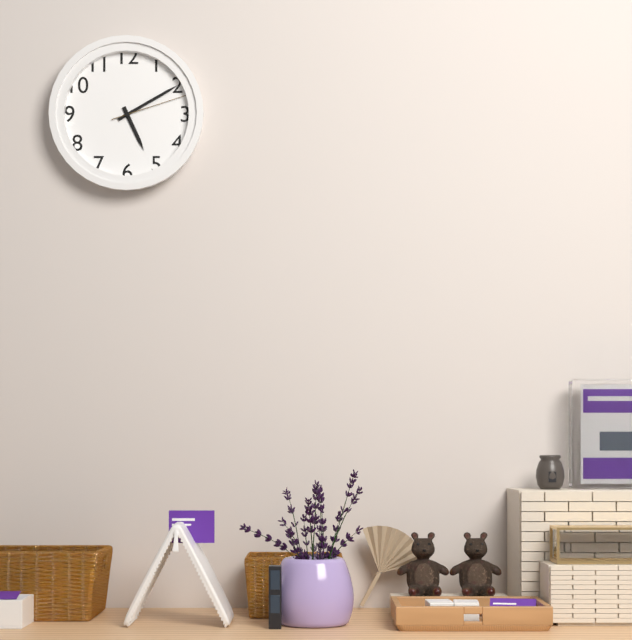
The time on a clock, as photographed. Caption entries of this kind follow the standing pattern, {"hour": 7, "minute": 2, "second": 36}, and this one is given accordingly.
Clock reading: {"hour": 5, "minute": 10, "second": 12}
